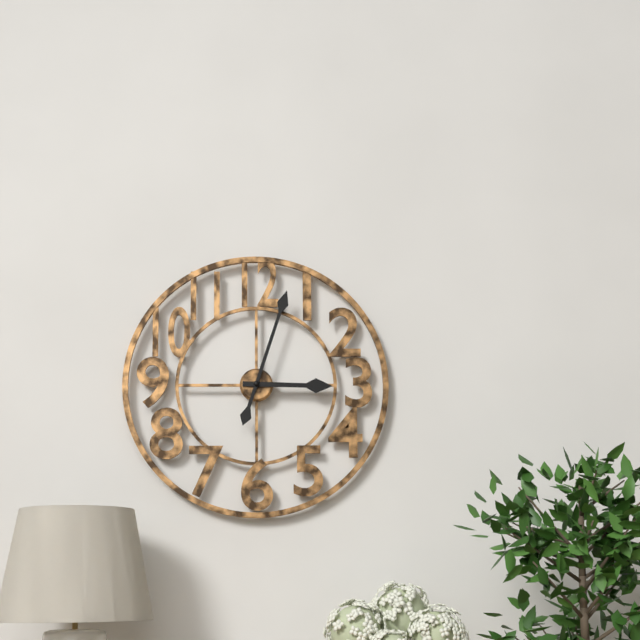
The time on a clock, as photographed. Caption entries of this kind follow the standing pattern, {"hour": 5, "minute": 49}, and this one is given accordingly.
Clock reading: {"hour": 3, "minute": 3}
